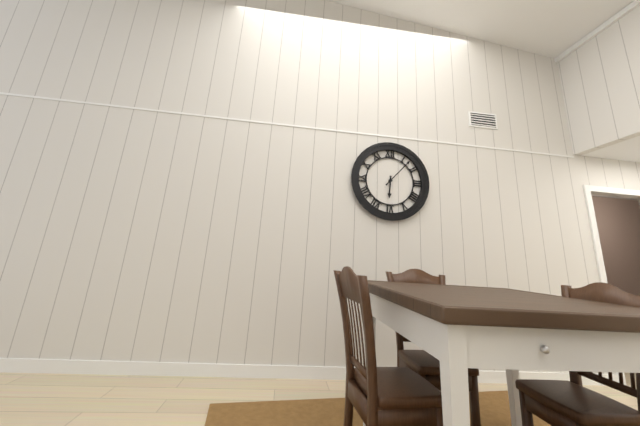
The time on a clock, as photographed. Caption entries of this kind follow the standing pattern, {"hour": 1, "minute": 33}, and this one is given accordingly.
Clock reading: {"hour": 6, "minute": 7}
